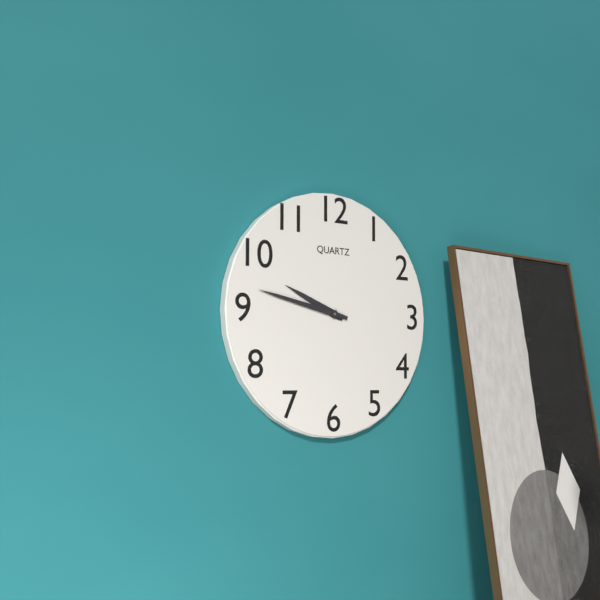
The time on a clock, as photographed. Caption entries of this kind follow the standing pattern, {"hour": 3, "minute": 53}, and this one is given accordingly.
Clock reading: {"hour": 9, "minute": 47}
